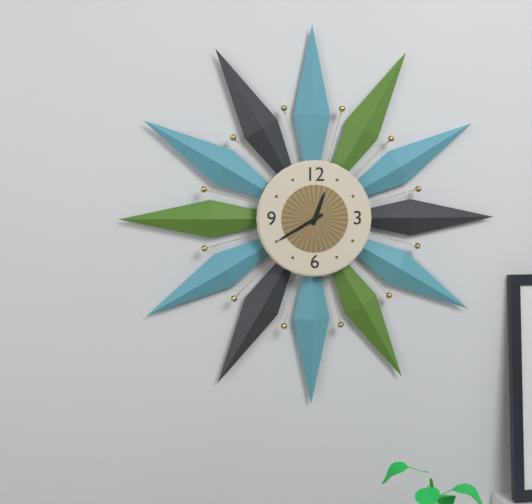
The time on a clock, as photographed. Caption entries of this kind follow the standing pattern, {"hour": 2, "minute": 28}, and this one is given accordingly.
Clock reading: {"hour": 12, "minute": 40}
